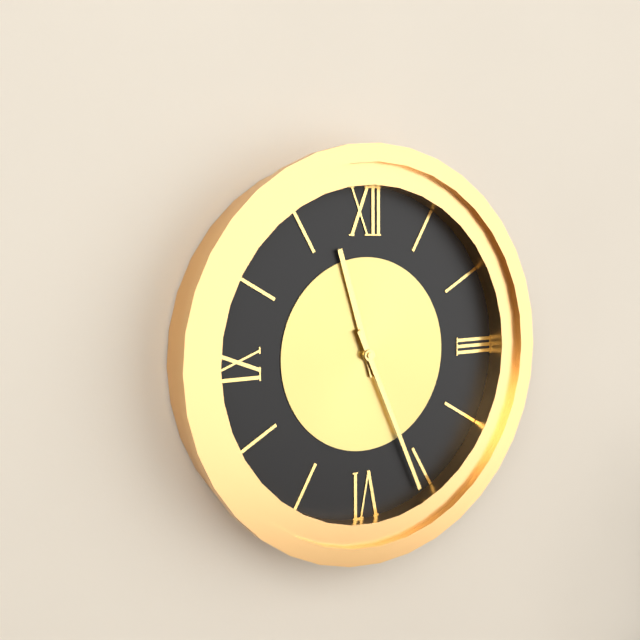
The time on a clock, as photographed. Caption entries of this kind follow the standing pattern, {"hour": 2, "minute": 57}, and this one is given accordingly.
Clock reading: {"hour": 11, "minute": 26}
